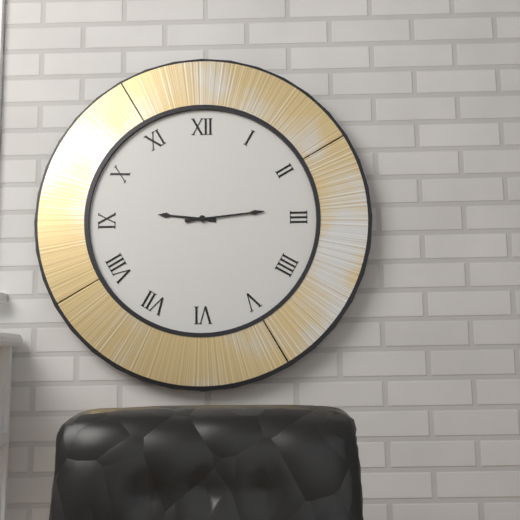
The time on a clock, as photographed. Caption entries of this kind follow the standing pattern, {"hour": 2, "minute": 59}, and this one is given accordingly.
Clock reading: {"hour": 9, "minute": 14}
